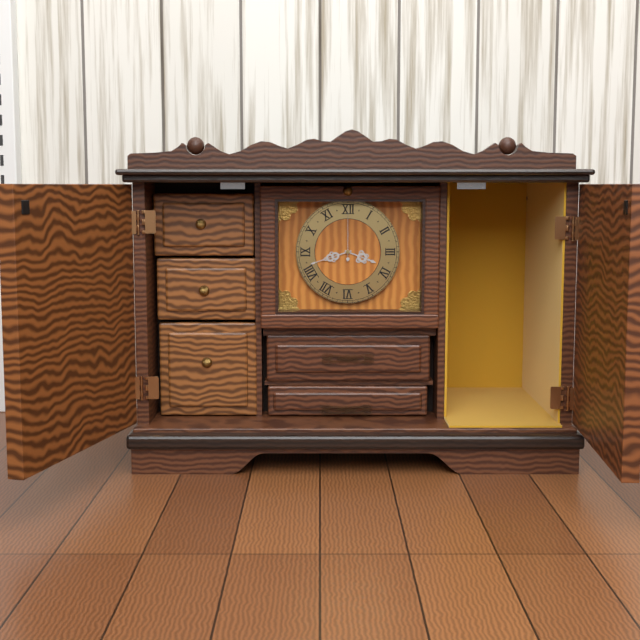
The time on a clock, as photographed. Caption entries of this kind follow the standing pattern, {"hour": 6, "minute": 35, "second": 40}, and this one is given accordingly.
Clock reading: {"hour": 3, "minute": 42, "second": 0}
